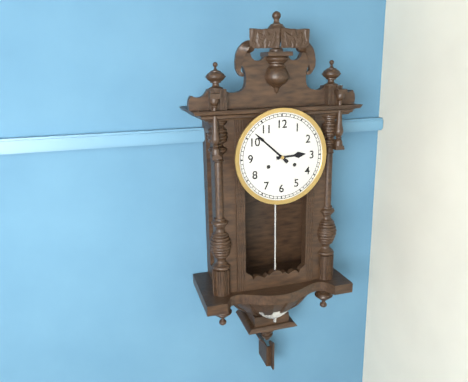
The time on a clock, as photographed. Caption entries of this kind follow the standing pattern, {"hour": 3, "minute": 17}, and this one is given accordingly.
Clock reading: {"hour": 2, "minute": 52}
